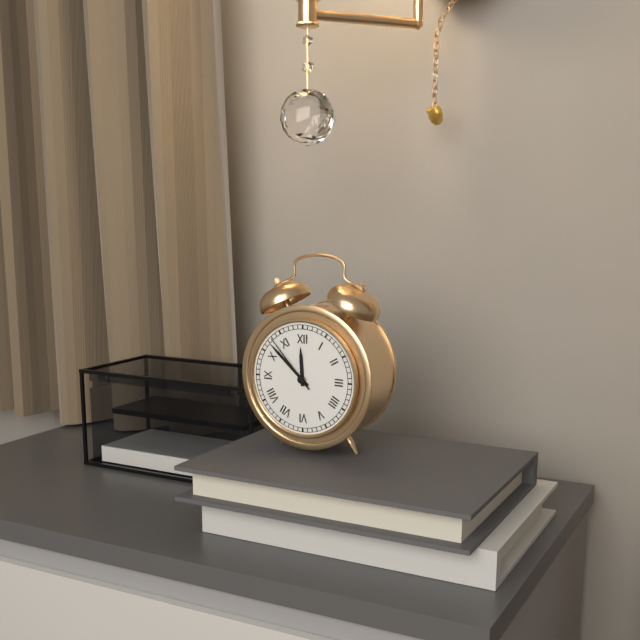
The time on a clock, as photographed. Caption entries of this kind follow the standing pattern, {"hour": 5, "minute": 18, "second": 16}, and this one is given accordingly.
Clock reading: {"hour": 11, "minute": 52, "second": 53}
